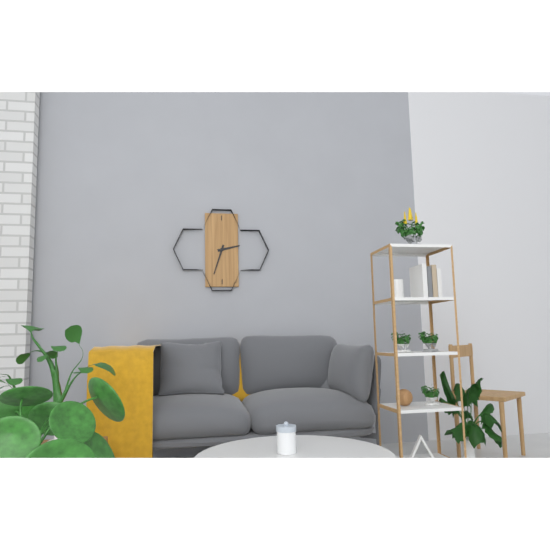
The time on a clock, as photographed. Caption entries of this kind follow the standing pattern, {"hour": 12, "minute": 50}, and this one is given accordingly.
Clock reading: {"hour": 2, "minute": 33}
